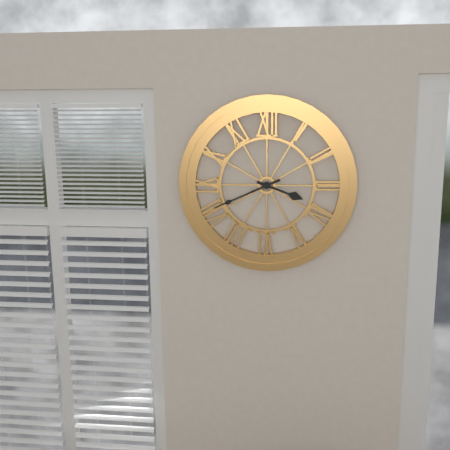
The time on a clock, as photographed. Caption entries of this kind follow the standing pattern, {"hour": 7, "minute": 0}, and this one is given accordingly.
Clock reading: {"hour": 3, "minute": 41}
